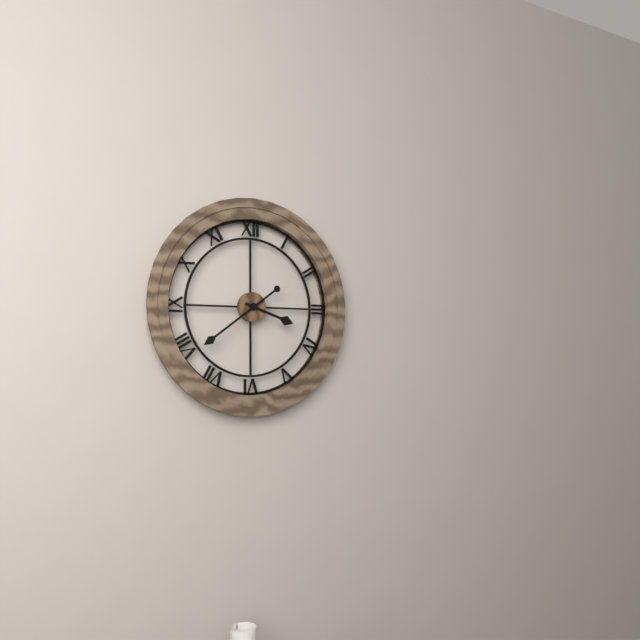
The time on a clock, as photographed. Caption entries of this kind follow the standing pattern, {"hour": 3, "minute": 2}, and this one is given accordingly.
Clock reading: {"hour": 3, "minute": 39}
